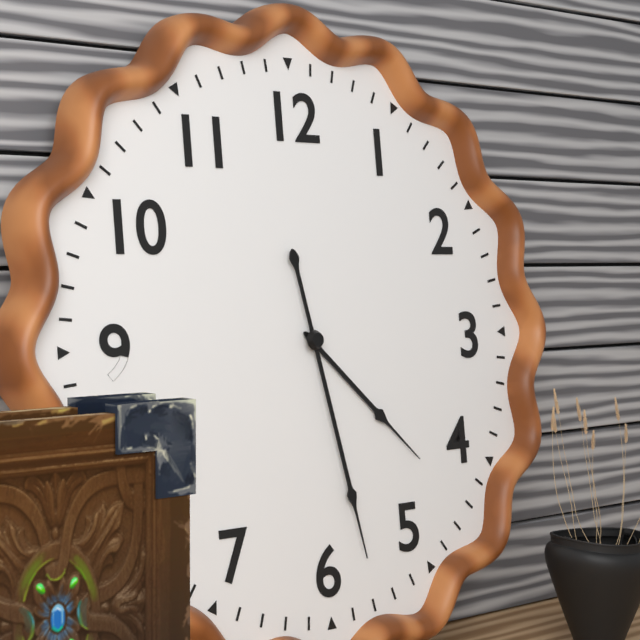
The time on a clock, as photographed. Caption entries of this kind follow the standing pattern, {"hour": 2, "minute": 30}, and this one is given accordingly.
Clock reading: {"hour": 4, "minute": 28}
